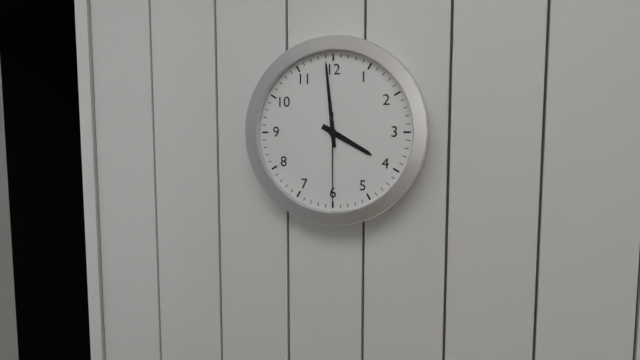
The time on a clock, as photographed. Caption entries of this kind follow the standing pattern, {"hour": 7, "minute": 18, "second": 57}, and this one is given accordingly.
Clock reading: {"hour": 3, "minute": 59, "second": 30}
